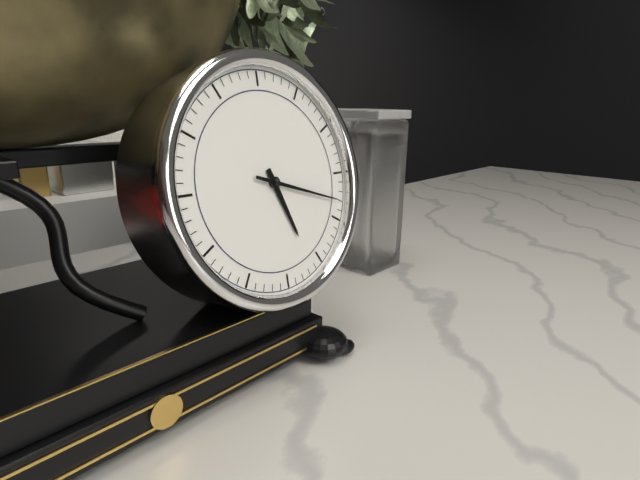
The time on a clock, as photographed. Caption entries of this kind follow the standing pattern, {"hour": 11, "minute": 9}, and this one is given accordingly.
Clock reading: {"hour": 5, "minute": 18}
